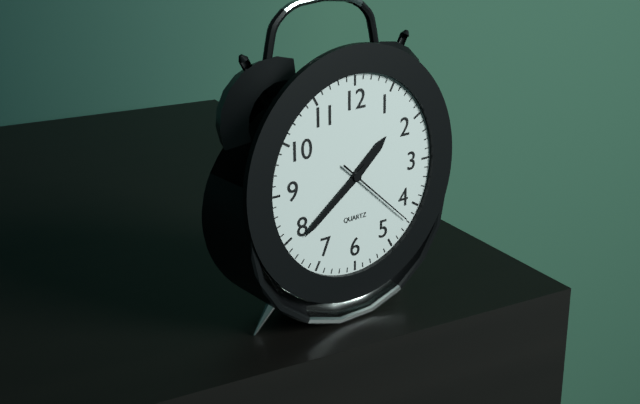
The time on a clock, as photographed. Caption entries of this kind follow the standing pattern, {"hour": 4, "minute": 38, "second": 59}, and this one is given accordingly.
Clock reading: {"hour": 1, "minute": 39, "second": 22}
